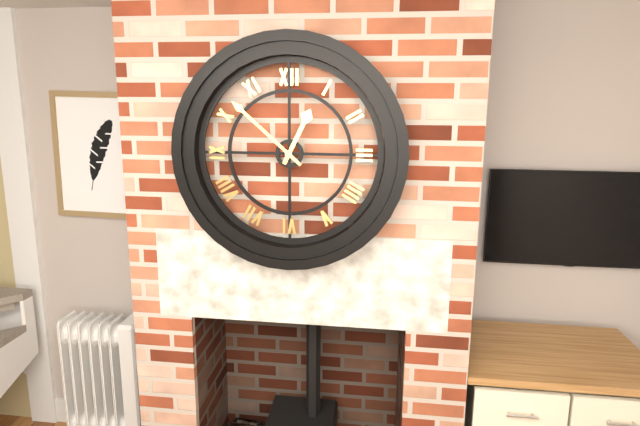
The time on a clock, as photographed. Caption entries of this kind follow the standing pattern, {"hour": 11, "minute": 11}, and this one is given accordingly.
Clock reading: {"hour": 12, "minute": 52}
